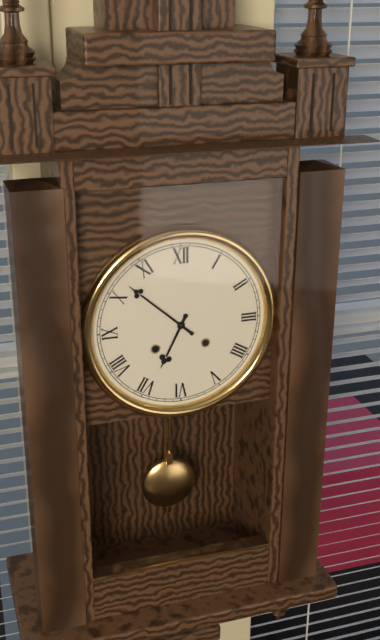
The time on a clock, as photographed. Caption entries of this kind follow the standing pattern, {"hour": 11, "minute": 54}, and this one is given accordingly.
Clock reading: {"hour": 6, "minute": 52}
